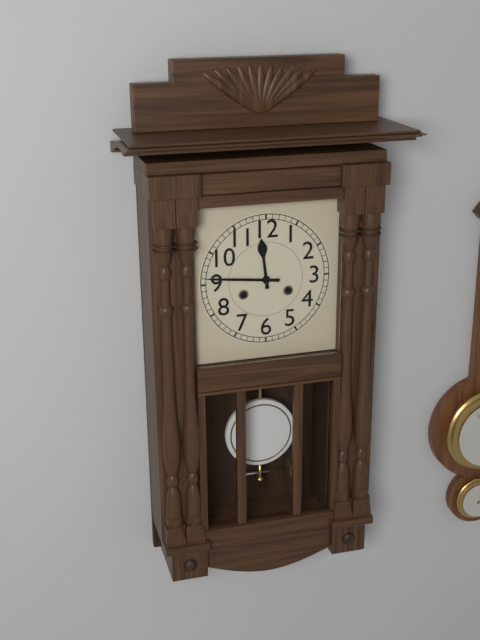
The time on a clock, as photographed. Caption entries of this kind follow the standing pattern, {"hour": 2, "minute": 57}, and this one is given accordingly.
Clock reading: {"hour": 11, "minute": 46}
